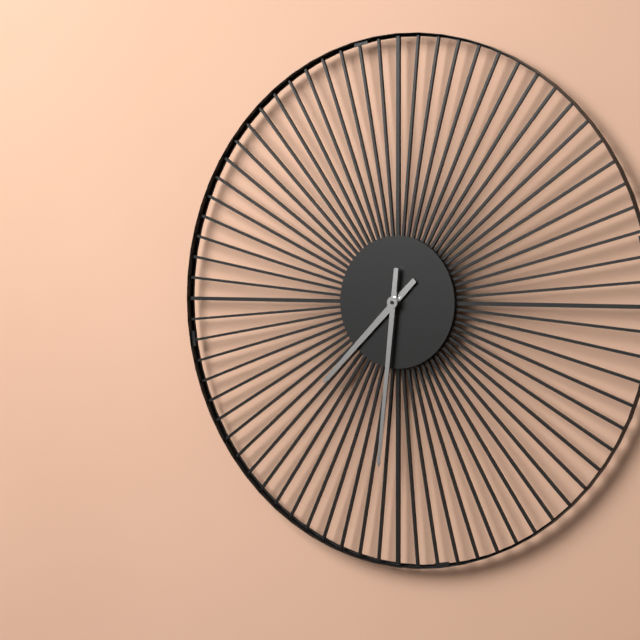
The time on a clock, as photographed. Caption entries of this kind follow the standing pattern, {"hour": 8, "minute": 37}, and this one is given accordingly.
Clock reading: {"hour": 7, "minute": 31}
